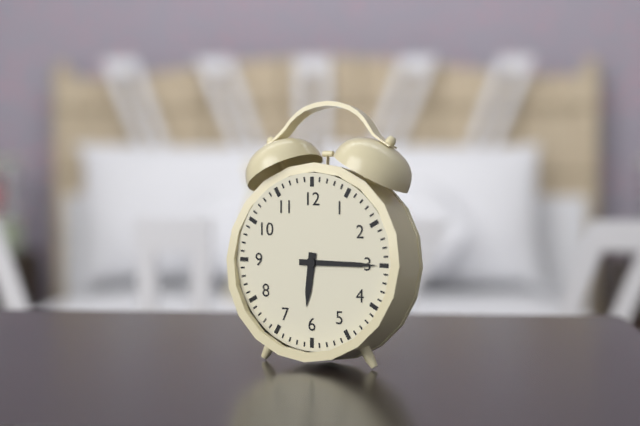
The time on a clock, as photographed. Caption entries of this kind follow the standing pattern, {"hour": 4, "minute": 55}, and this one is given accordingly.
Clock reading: {"hour": 6, "minute": 15}
